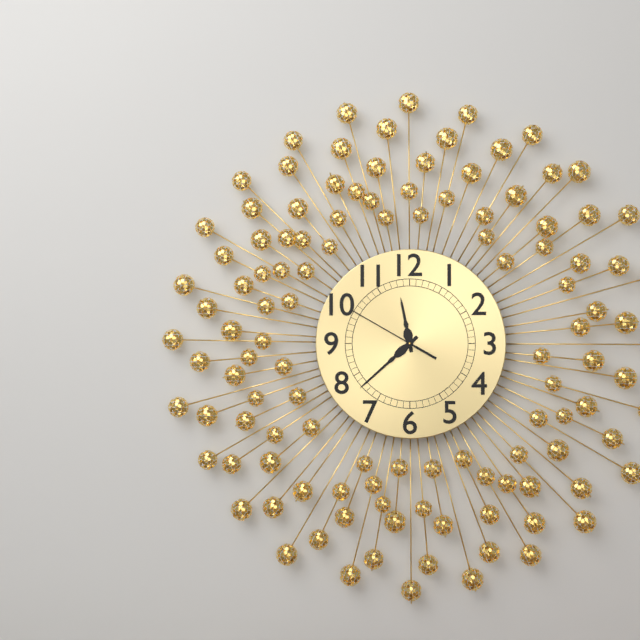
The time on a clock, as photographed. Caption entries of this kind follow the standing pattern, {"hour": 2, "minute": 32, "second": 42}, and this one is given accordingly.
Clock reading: {"hour": 11, "minute": 38, "second": 50}
